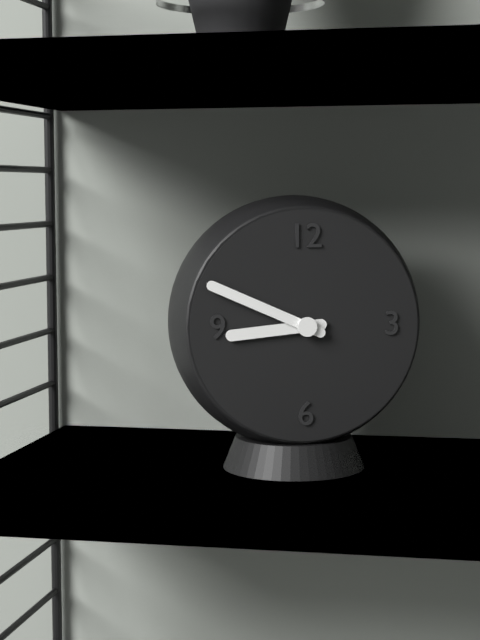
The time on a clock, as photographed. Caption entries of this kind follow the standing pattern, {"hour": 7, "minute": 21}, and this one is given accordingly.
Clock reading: {"hour": 8, "minute": 49}
